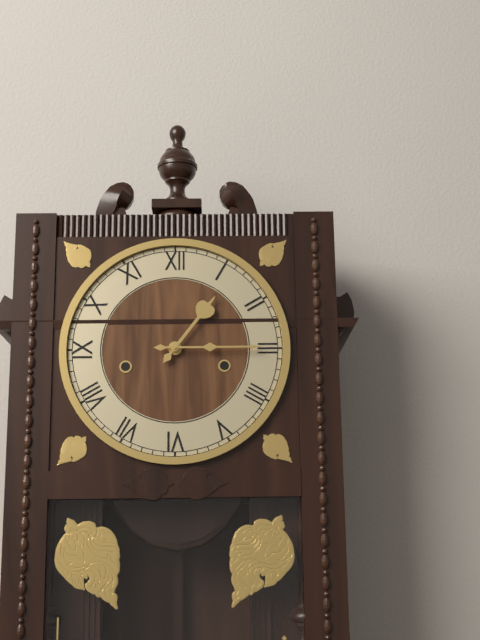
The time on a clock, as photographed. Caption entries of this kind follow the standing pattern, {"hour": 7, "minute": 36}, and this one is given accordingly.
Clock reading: {"hour": 1, "minute": 15}
